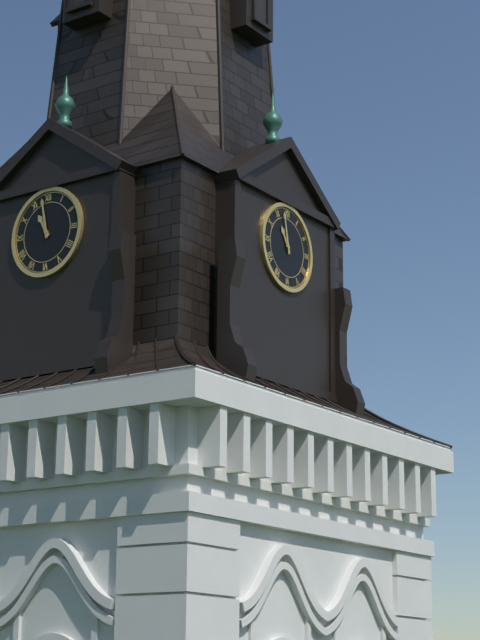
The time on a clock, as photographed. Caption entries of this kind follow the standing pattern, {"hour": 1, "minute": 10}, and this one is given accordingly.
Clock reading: {"hour": 10, "minute": 58}
